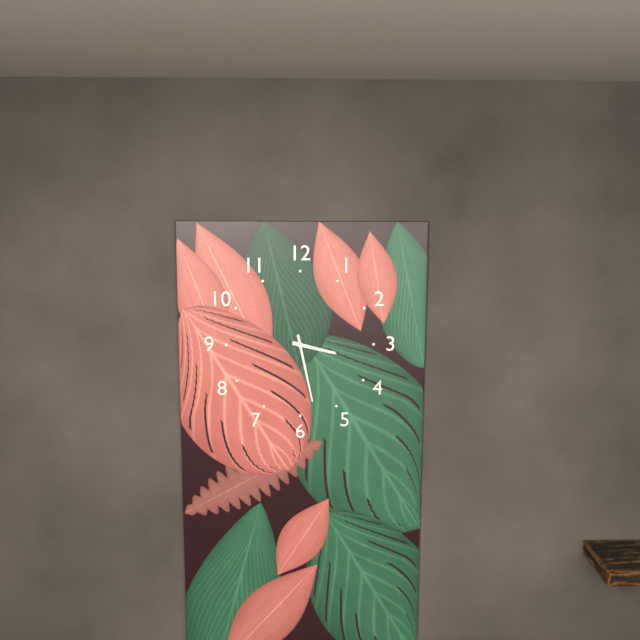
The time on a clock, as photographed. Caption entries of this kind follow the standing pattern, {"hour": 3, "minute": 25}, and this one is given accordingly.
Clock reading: {"hour": 3, "minute": 28}
